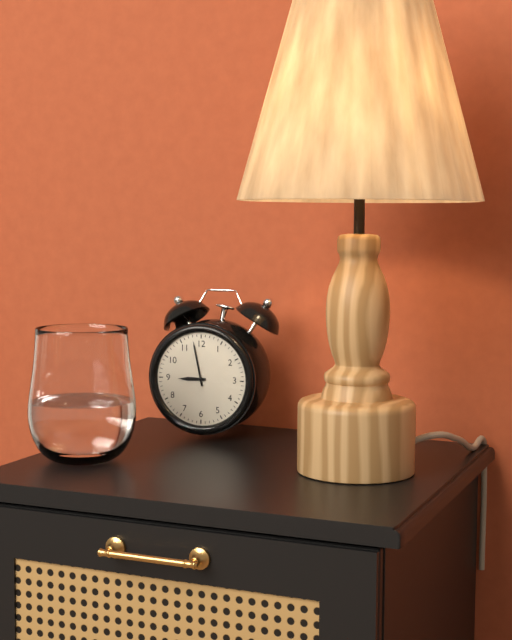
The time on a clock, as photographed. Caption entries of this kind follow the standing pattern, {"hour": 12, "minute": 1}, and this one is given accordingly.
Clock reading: {"hour": 8, "minute": 58}
